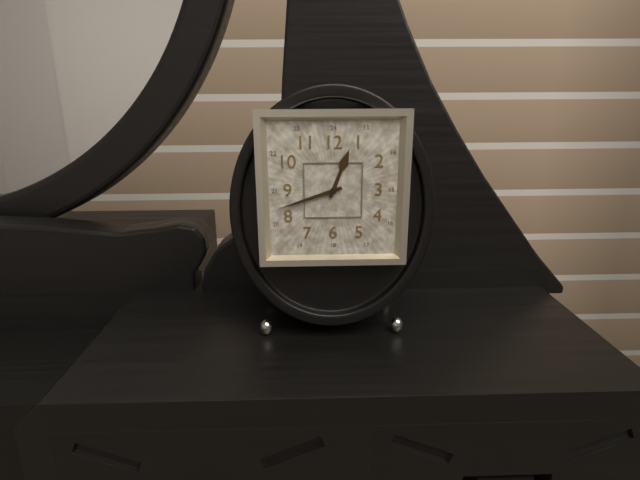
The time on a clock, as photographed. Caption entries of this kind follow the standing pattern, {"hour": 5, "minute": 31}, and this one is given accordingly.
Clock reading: {"hour": 12, "minute": 42}
